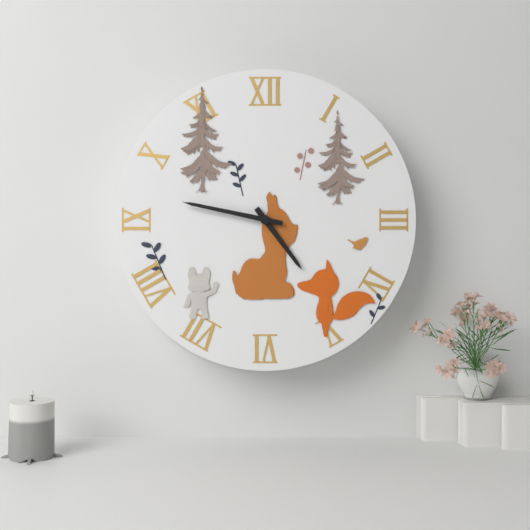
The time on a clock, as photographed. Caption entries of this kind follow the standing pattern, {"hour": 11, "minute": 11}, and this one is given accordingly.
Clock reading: {"hour": 4, "minute": 47}
